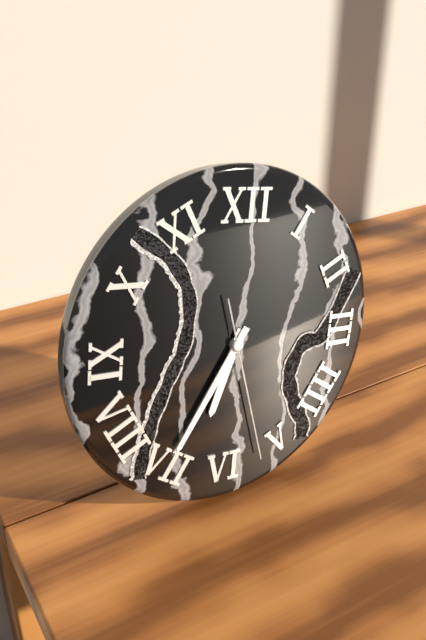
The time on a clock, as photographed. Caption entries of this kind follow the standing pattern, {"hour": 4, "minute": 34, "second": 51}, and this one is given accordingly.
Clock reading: {"hour": 6, "minute": 35, "second": 27}
